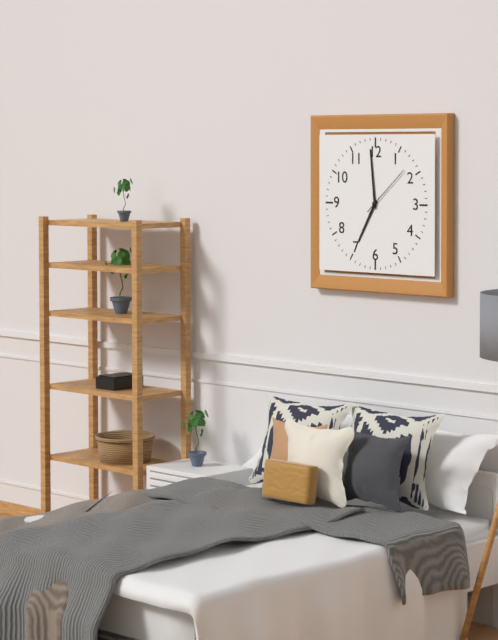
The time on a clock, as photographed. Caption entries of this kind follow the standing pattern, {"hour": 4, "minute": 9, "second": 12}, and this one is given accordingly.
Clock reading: {"hour": 6, "minute": 59, "second": 8}
